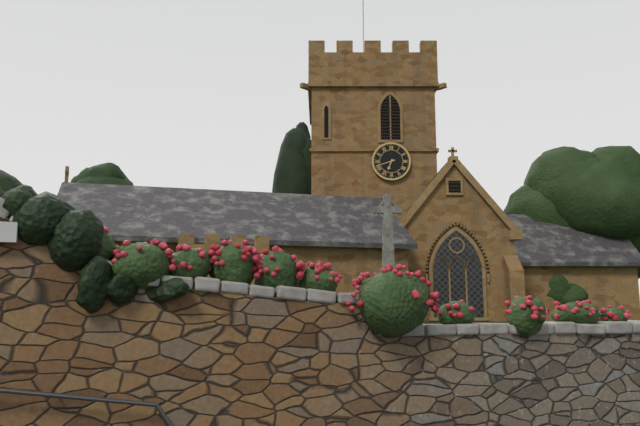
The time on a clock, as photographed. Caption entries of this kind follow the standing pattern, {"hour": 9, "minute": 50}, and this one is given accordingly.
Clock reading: {"hour": 6, "minute": 42}
